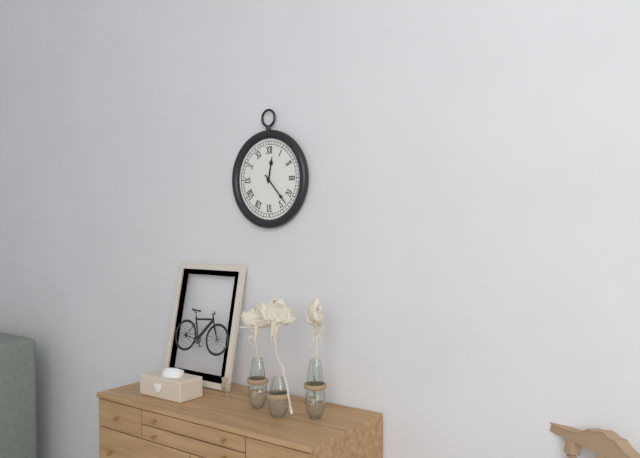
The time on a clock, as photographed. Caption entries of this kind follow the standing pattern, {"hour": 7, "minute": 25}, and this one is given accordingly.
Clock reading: {"hour": 12, "minute": 23}
